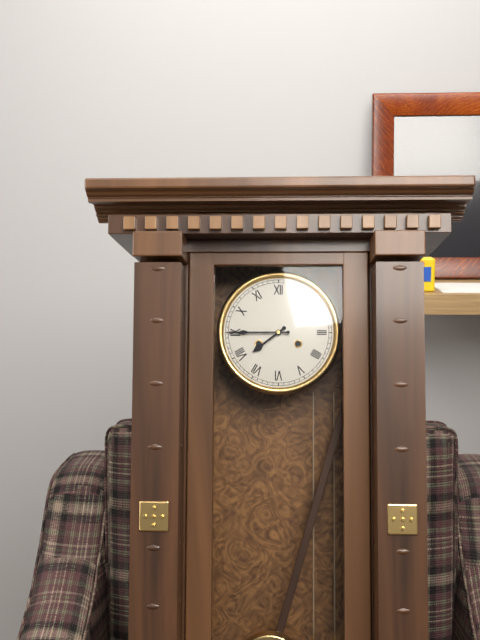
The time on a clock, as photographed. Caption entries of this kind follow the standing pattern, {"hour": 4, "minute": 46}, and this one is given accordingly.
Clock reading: {"hour": 7, "minute": 45}
